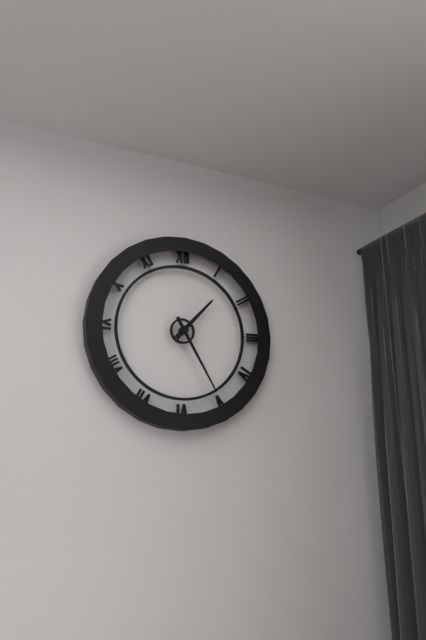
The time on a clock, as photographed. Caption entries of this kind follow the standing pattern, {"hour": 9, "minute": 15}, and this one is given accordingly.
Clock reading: {"hour": 1, "minute": 25}
